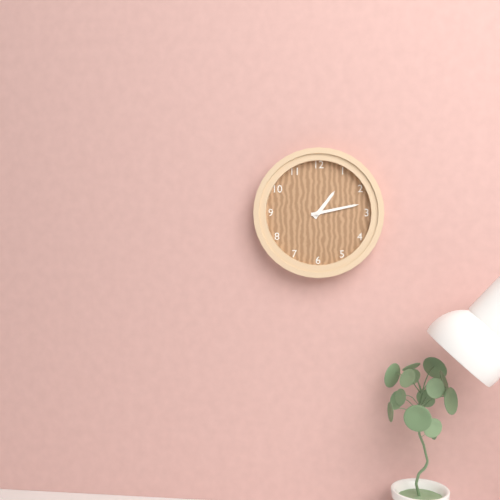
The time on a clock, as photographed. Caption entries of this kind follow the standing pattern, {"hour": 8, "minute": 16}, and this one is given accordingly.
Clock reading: {"hour": 1, "minute": 13}
